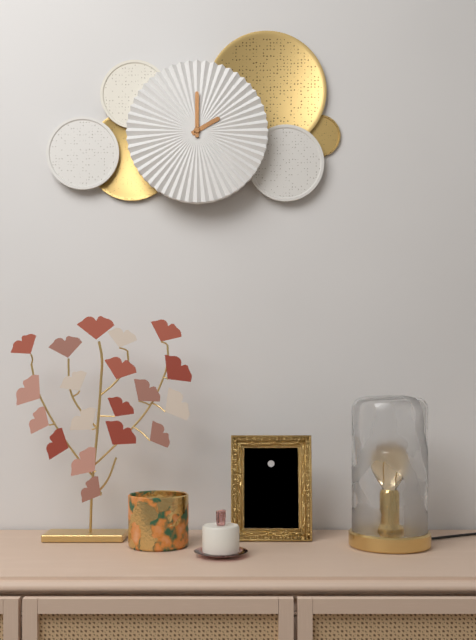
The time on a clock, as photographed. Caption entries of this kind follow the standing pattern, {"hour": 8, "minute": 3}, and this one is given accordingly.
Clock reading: {"hour": 2, "minute": 0}
